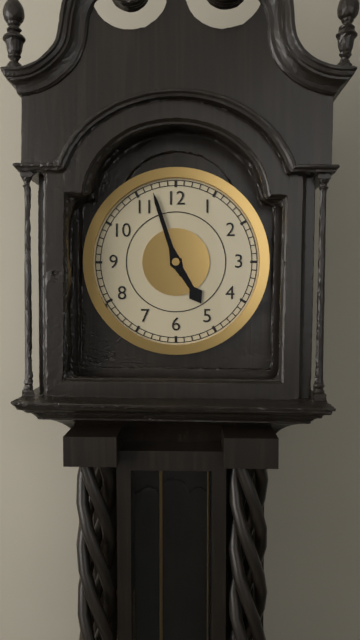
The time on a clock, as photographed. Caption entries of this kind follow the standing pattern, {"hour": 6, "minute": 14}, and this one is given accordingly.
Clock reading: {"hour": 4, "minute": 57}
